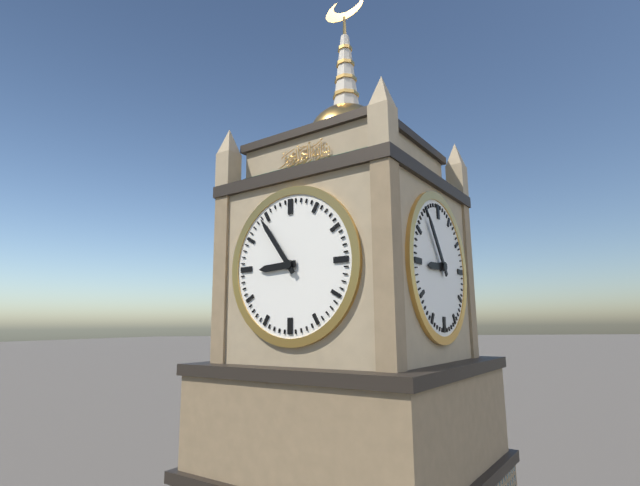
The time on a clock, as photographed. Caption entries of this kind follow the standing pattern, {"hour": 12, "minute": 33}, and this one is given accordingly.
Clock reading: {"hour": 8, "minute": 54}
